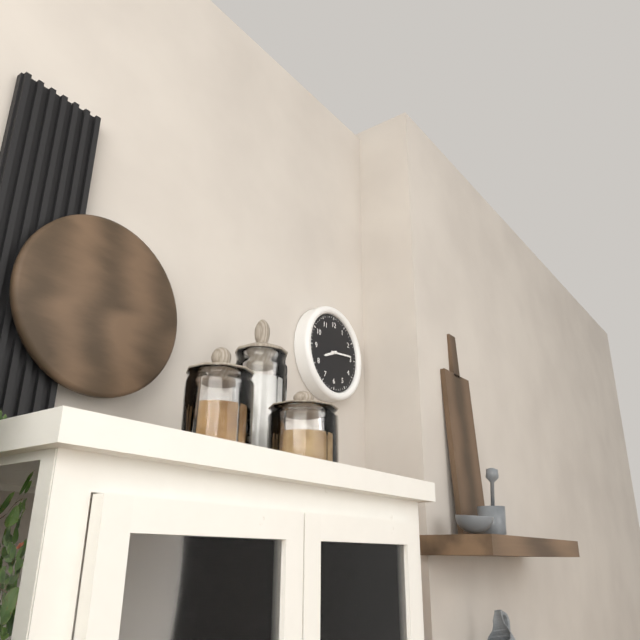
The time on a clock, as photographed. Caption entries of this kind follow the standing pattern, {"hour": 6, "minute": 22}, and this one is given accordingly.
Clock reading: {"hour": 8, "minute": 14}
